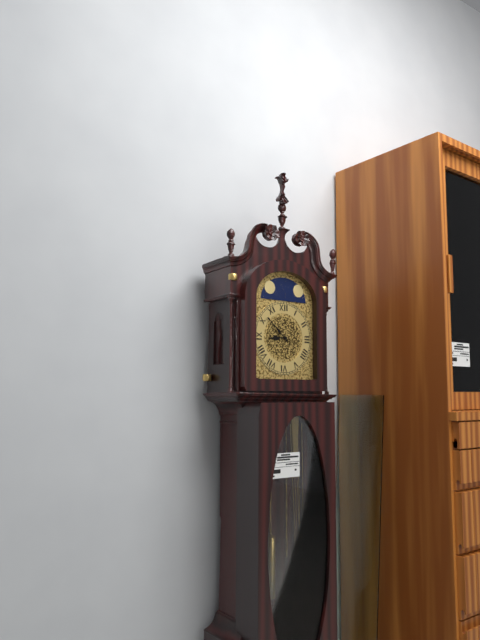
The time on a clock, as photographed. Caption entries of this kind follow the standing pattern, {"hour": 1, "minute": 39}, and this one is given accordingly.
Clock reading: {"hour": 8, "minute": 52}
